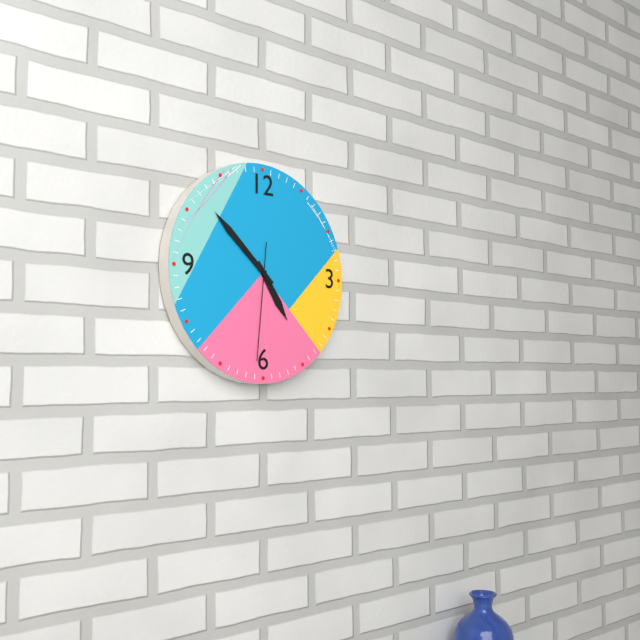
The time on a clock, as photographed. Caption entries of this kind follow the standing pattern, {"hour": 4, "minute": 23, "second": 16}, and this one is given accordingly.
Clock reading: {"hour": 4, "minute": 52, "second": 31}
